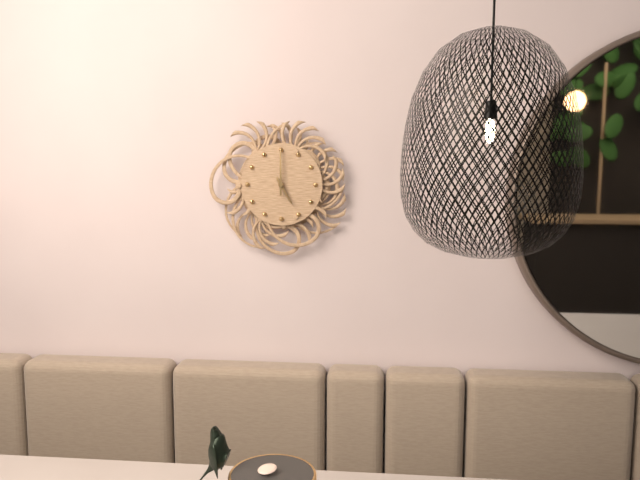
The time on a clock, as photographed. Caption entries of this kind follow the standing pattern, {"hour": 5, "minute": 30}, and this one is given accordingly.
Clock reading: {"hour": 5, "minute": 0}
